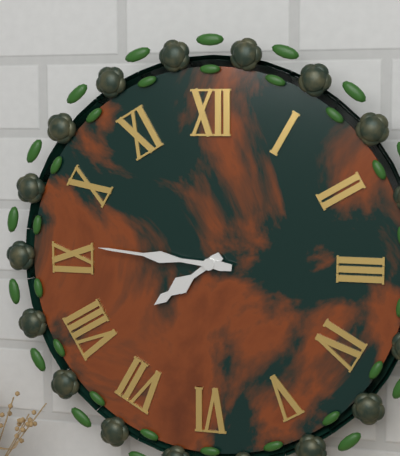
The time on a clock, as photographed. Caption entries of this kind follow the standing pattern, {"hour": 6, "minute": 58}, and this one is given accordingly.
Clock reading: {"hour": 7, "minute": 46}
